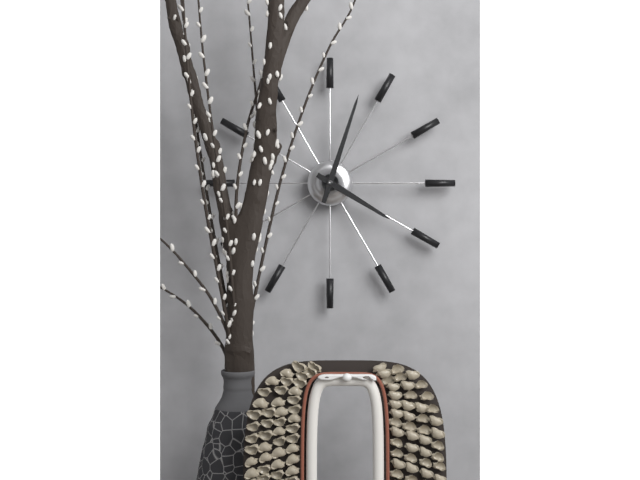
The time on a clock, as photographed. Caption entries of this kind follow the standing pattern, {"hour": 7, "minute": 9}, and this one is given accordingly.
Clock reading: {"hour": 4, "minute": 3}
